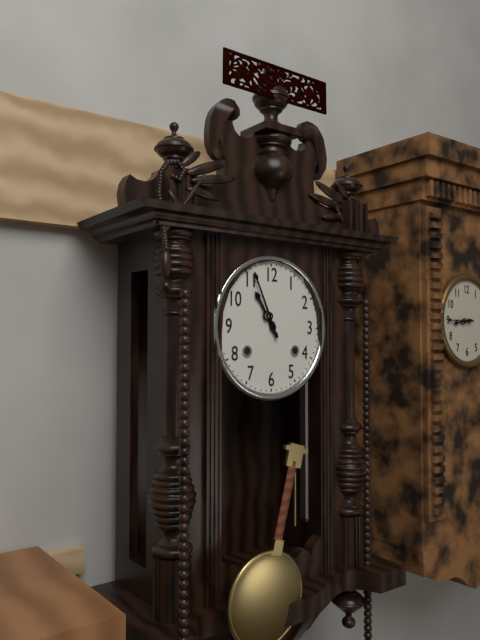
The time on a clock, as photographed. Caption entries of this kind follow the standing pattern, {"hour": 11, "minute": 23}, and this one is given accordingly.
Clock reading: {"hour": 10, "minute": 56}
